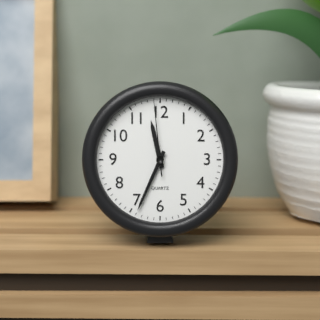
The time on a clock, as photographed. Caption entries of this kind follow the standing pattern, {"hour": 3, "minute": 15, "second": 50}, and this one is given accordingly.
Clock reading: {"hour": 11, "minute": 34, "second": 59}
